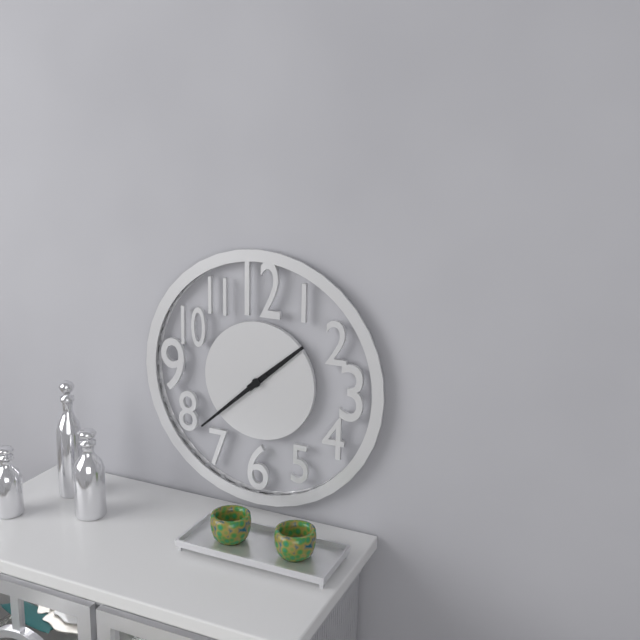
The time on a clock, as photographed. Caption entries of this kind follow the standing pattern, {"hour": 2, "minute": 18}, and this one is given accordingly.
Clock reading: {"hour": 1, "minute": 38}
